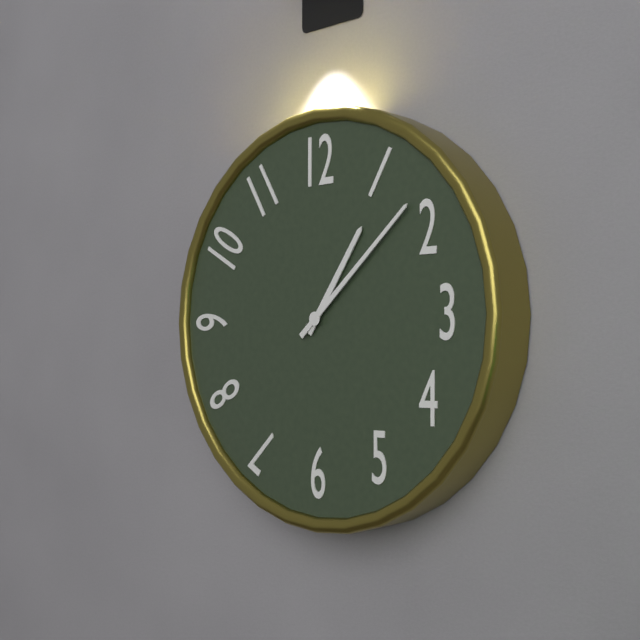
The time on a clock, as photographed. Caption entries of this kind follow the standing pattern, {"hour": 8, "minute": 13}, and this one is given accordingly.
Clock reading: {"hour": 1, "minute": 8}
